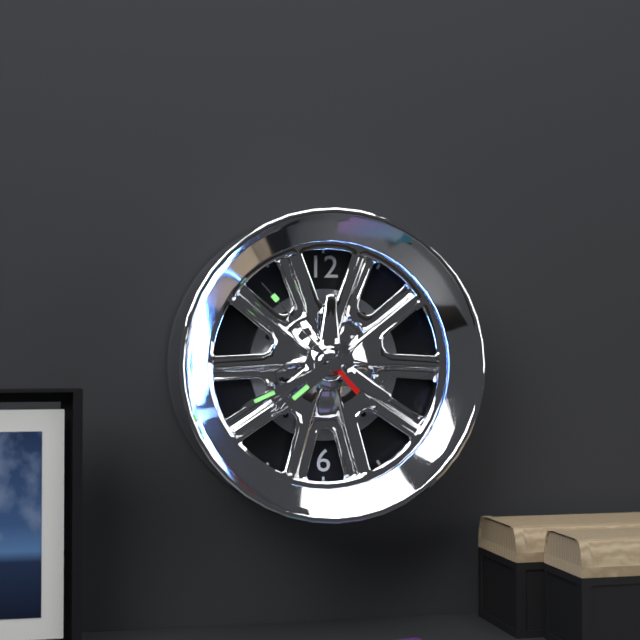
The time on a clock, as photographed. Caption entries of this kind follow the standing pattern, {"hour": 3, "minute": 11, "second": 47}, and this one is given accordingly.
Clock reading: {"hour": 7, "minute": 41, "second": 53}
